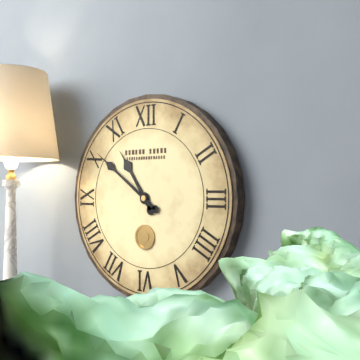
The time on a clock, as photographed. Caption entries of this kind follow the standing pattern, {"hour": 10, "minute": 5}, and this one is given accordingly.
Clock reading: {"hour": 10, "minute": 51}
